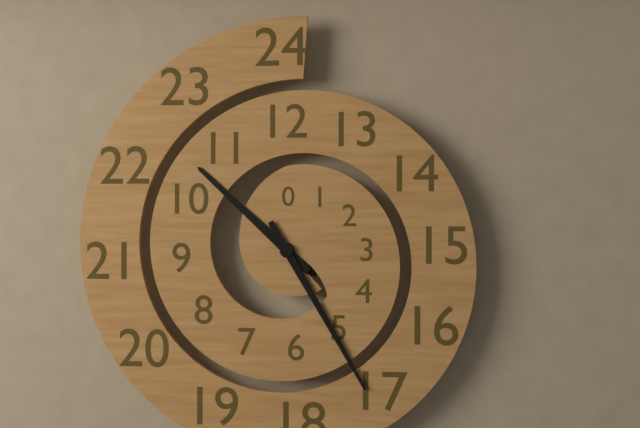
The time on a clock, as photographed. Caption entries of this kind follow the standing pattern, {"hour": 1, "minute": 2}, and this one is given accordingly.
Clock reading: {"hour": 10, "minute": 25}
